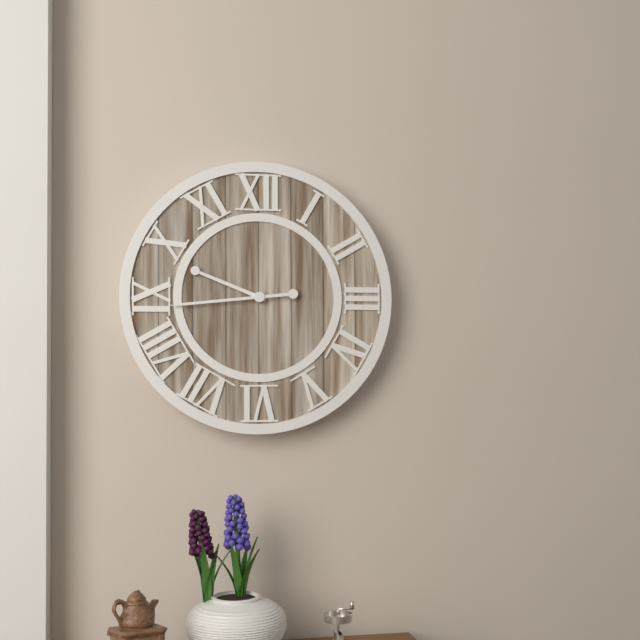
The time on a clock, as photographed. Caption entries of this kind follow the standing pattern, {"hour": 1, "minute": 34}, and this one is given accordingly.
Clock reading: {"hour": 9, "minute": 44}
